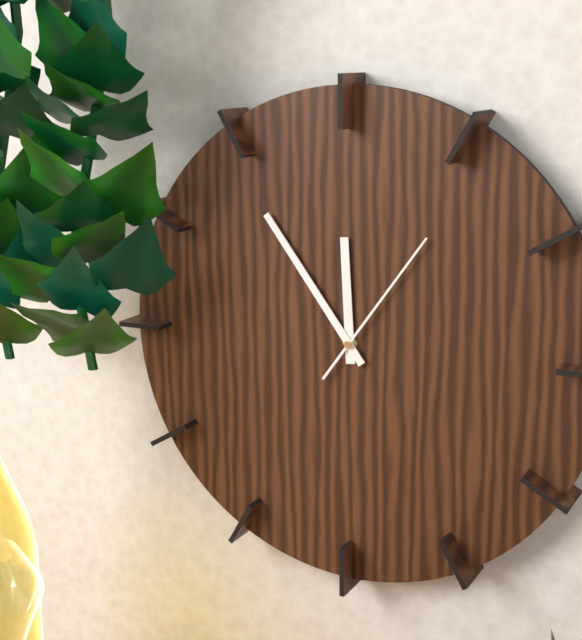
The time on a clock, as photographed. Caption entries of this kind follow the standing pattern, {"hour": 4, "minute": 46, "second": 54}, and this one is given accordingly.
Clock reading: {"hour": 11, "minute": 54, "second": 6}
